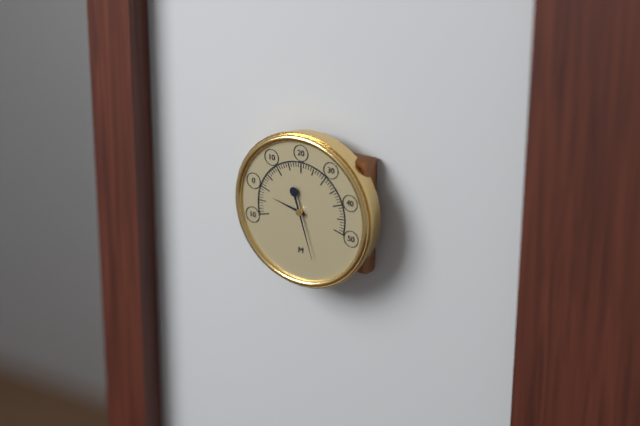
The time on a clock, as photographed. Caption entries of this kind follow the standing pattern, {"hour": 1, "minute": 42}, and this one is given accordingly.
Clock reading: {"hour": 9, "minute": 27}
